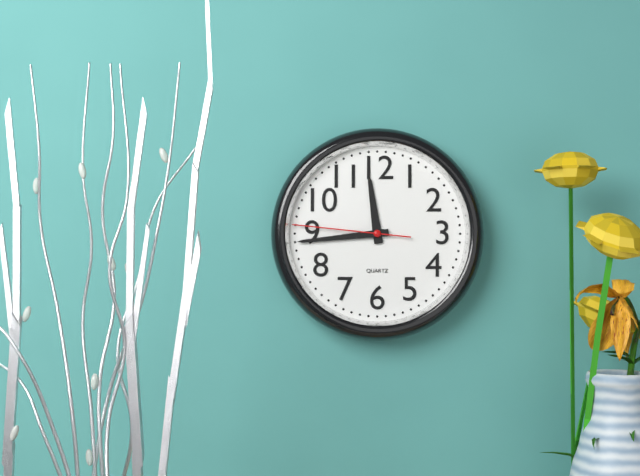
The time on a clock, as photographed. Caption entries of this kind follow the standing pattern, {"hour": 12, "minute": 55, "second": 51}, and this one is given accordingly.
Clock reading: {"hour": 11, "minute": 44, "second": 46}
